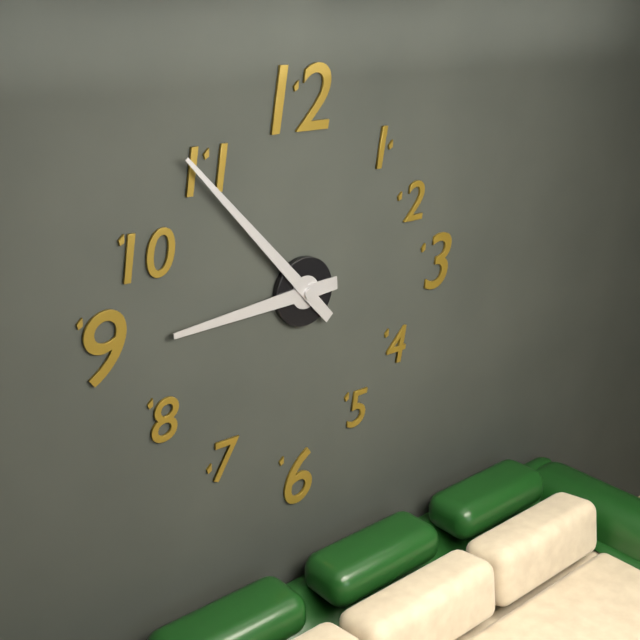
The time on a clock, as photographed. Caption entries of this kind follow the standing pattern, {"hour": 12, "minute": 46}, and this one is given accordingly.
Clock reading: {"hour": 8, "minute": 53}
